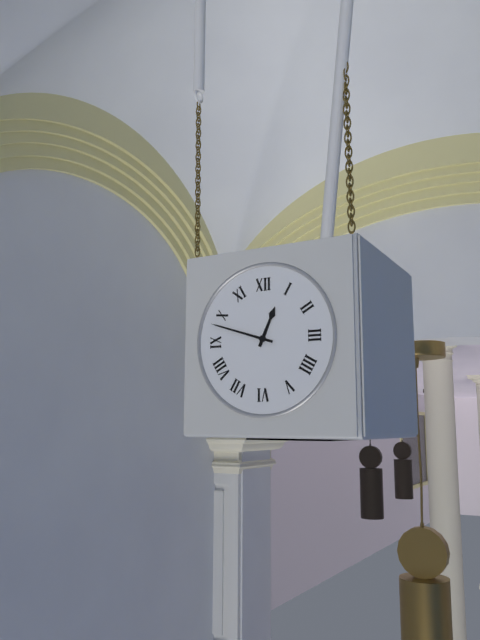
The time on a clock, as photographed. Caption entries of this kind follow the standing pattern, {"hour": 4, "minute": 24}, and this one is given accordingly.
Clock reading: {"hour": 12, "minute": 48}
